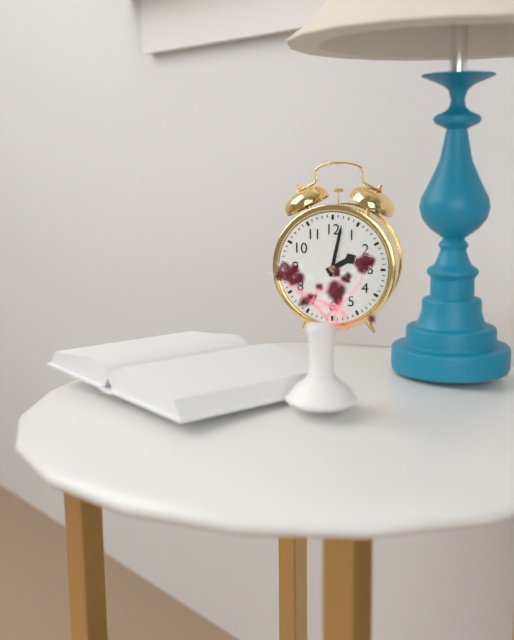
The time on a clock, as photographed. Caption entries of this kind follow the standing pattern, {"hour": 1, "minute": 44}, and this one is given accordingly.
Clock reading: {"hour": 2, "minute": 2}
